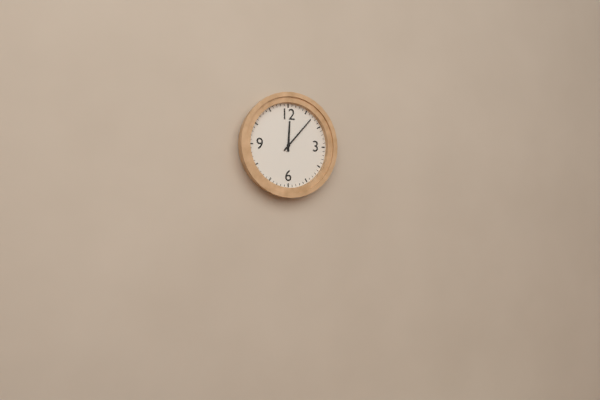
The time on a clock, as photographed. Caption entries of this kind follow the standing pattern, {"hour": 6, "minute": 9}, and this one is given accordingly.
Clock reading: {"hour": 12, "minute": 7}
